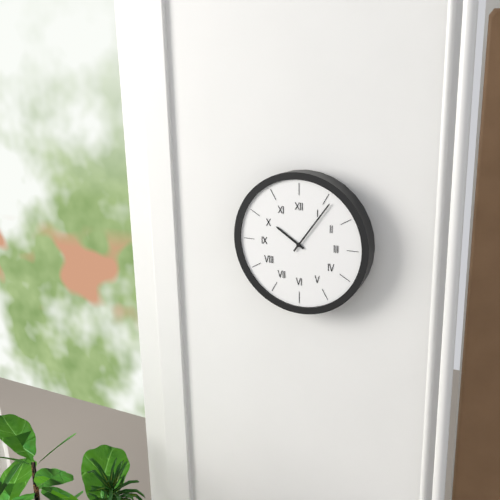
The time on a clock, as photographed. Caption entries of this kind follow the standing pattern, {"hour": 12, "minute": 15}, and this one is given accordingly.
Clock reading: {"hour": 10, "minute": 6}
